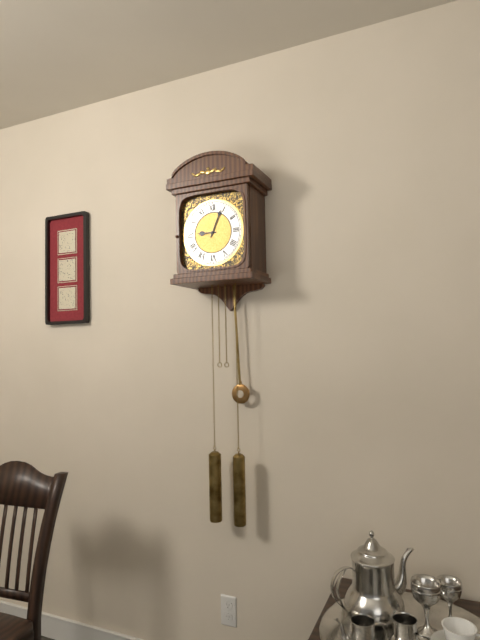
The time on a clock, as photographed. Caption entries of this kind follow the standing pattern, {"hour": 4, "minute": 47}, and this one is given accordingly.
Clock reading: {"hour": 9, "minute": 4}
